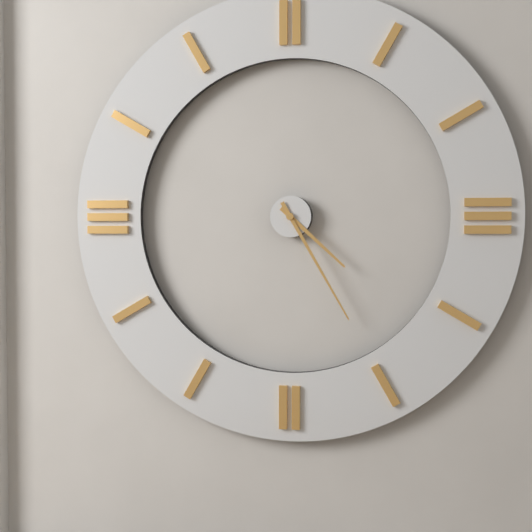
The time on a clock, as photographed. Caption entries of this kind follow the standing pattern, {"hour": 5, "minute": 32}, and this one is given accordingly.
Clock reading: {"hour": 4, "minute": 25}
